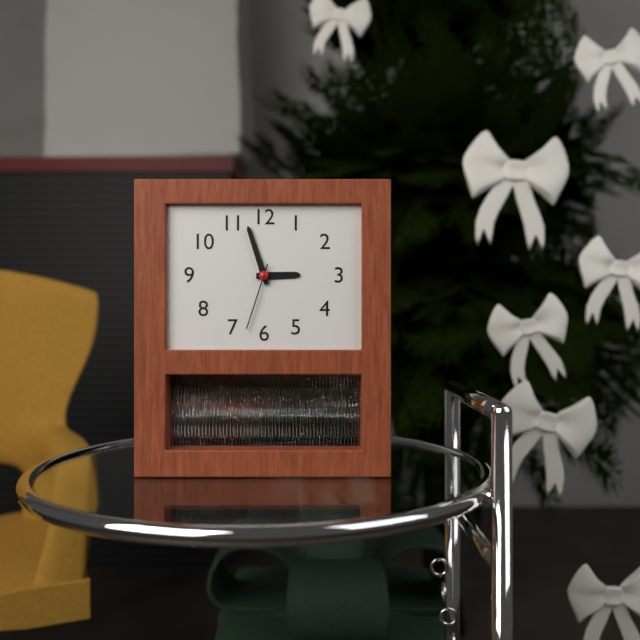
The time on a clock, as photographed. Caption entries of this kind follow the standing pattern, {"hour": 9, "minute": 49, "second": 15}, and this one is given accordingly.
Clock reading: {"hour": 2, "minute": 57, "second": 33}
